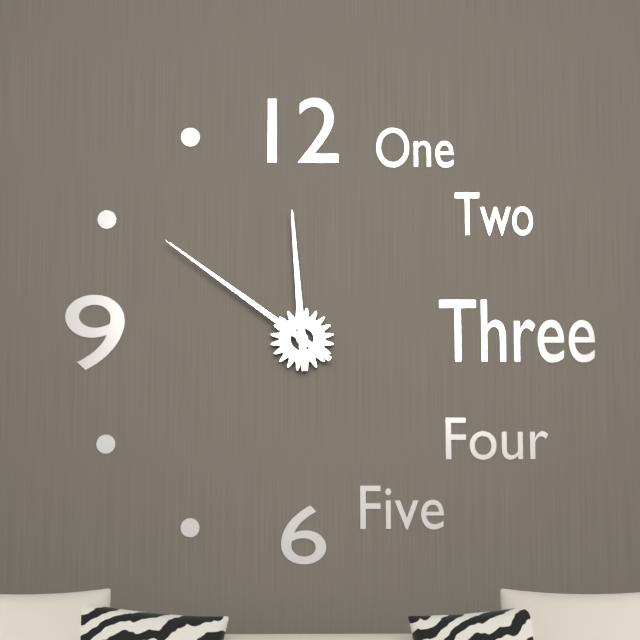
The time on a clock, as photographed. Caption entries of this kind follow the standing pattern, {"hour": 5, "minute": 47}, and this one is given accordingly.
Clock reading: {"hour": 11, "minute": 51}
